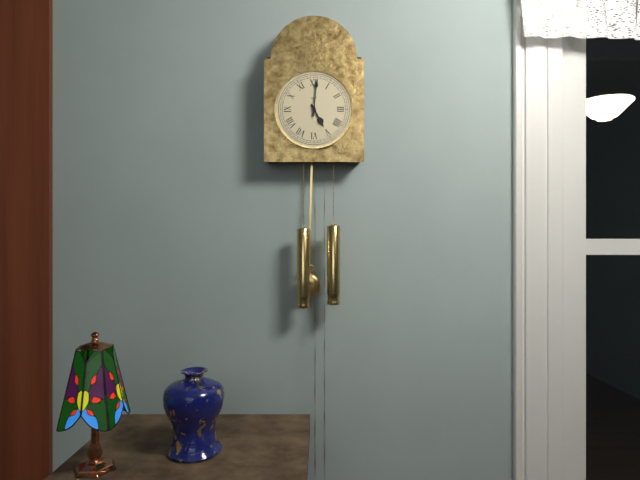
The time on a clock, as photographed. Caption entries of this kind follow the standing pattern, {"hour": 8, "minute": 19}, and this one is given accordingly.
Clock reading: {"hour": 5, "minute": 1}
